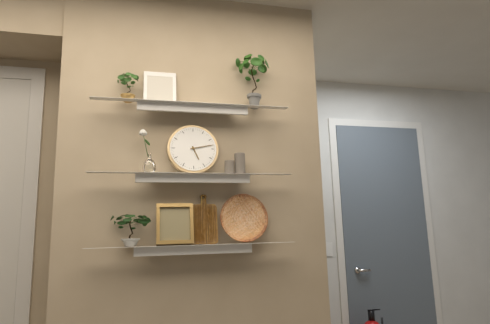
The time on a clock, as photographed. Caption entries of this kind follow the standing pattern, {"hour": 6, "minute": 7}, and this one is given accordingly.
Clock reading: {"hour": 5, "minute": 13}
